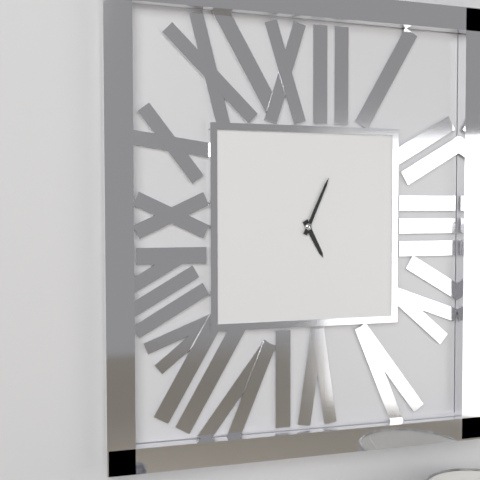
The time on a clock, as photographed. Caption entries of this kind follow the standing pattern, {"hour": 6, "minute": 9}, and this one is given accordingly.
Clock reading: {"hour": 5, "minute": 4}
